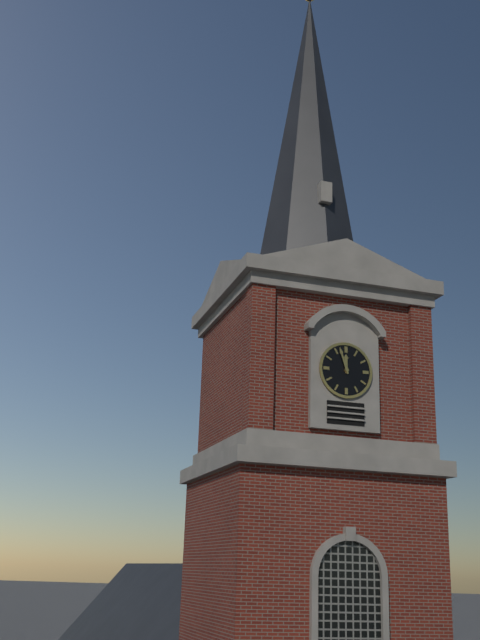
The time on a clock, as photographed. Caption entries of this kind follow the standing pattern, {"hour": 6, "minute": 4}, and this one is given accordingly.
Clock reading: {"hour": 11, "minute": 57}
